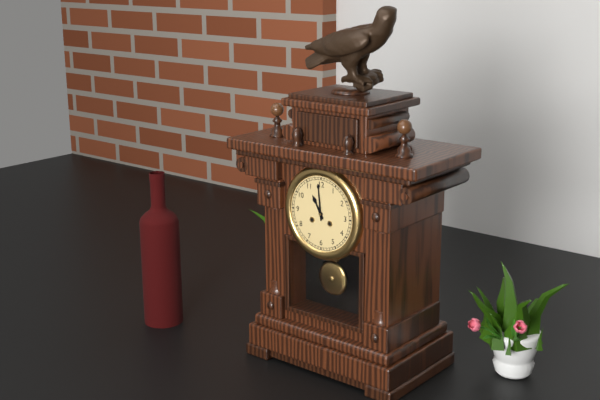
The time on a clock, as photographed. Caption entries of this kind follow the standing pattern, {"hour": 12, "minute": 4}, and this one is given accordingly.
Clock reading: {"hour": 10, "minute": 59}
